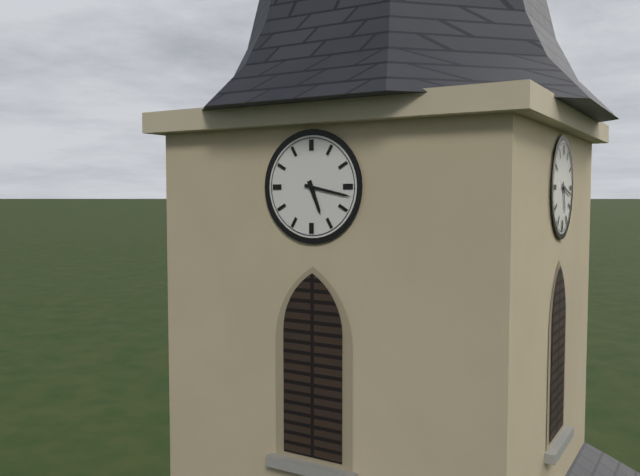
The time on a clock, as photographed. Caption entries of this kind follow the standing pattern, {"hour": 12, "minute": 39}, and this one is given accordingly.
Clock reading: {"hour": 5, "minute": 17}
